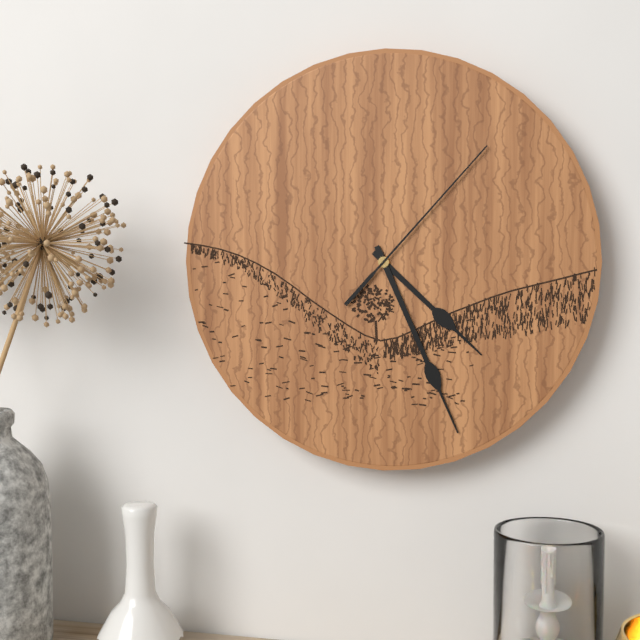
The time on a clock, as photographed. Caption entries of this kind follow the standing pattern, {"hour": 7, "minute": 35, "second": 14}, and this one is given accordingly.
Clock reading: {"hour": 4, "minute": 26, "second": 7}
